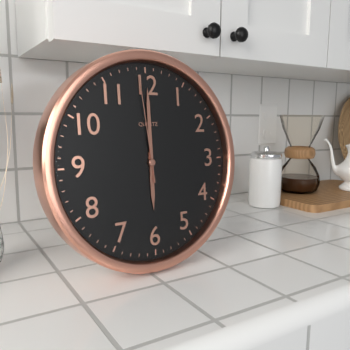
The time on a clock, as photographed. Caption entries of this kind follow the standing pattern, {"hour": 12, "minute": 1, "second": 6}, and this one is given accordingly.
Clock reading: {"hour": 6, "minute": 0, "second": 59}
